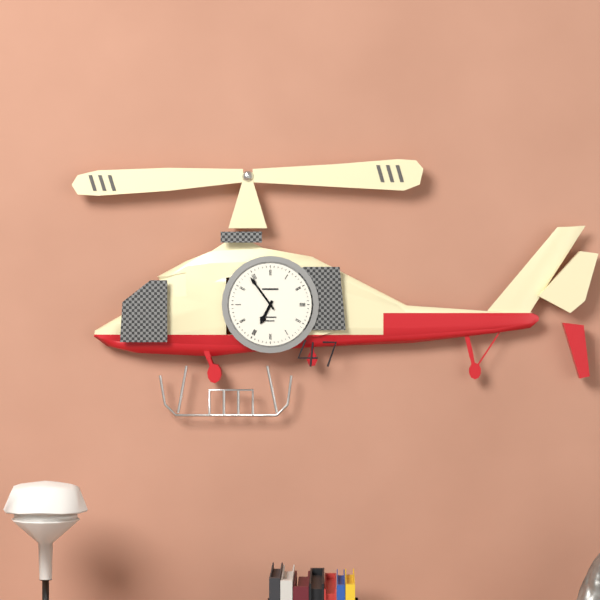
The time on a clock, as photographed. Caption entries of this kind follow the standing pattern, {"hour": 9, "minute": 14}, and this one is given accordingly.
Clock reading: {"hour": 6, "minute": 54}
